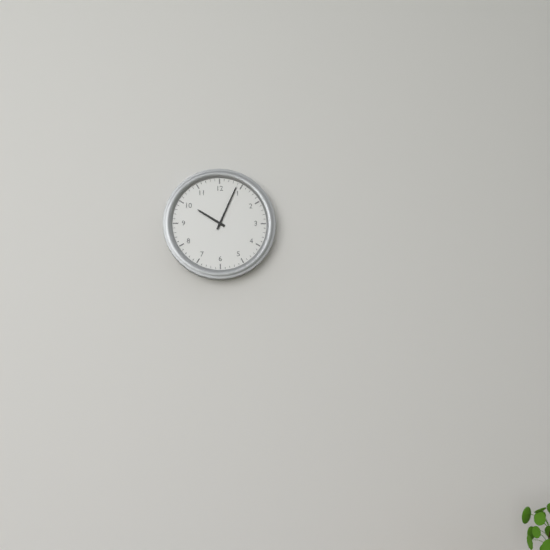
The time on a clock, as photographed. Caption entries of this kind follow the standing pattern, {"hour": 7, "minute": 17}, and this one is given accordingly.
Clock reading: {"hour": 10, "minute": 4}
